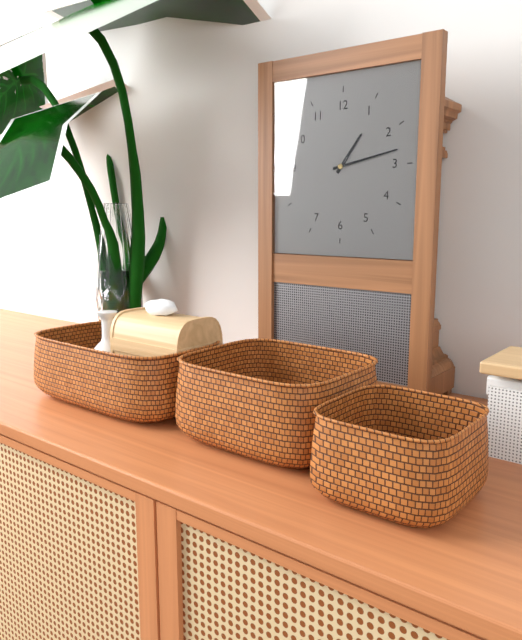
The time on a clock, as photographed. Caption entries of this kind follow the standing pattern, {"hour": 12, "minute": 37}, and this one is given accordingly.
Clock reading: {"hour": 1, "minute": 13}
